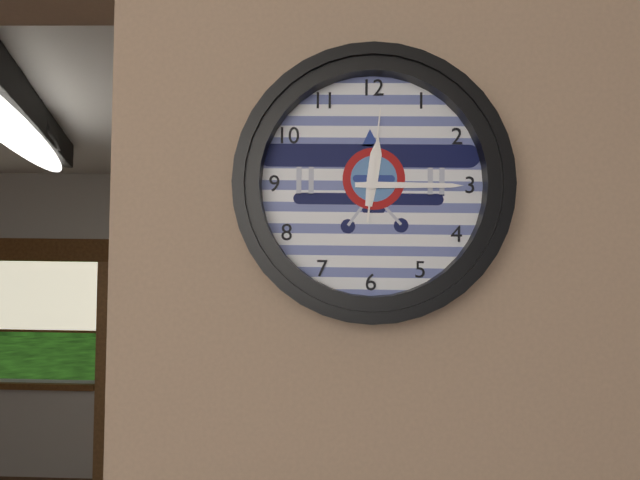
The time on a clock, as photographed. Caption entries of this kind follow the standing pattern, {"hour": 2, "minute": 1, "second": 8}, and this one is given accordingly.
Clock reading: {"hour": 12, "minute": 15, "second": 1}
